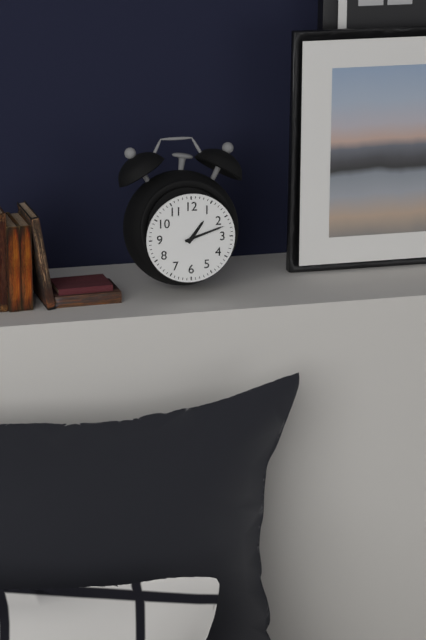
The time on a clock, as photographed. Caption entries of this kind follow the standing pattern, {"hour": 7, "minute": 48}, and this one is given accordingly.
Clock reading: {"hour": 1, "minute": 12}
